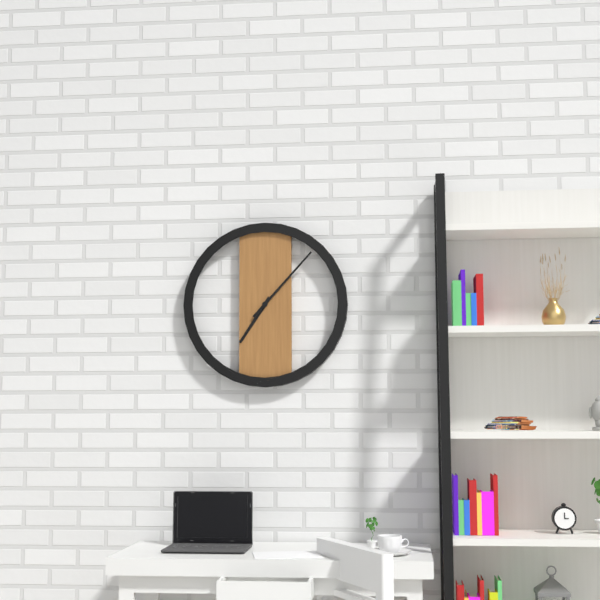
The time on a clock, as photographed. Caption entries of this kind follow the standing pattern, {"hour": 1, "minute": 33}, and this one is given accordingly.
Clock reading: {"hour": 7, "minute": 7}
